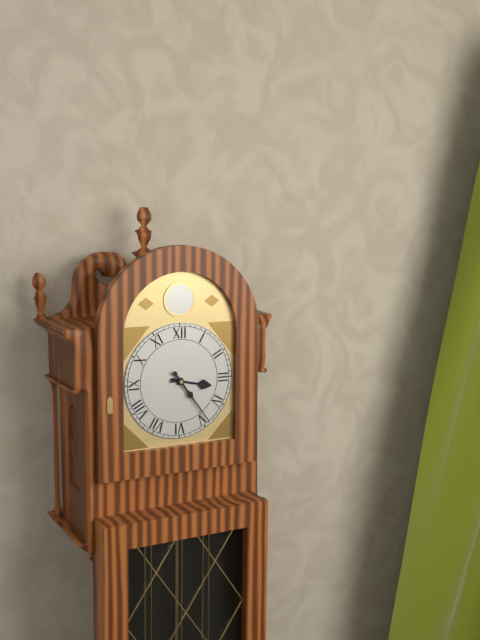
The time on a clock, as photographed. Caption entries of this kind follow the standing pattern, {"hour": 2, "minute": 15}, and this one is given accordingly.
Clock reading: {"hour": 3, "minute": 24}
